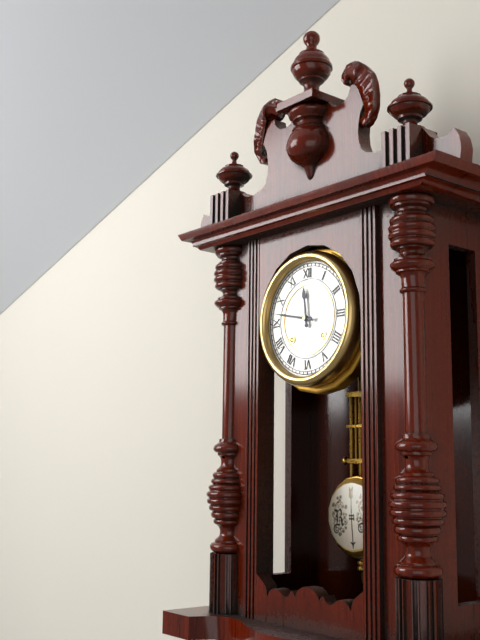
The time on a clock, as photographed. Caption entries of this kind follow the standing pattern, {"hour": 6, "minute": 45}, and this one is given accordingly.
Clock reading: {"hour": 11, "minute": 47}
